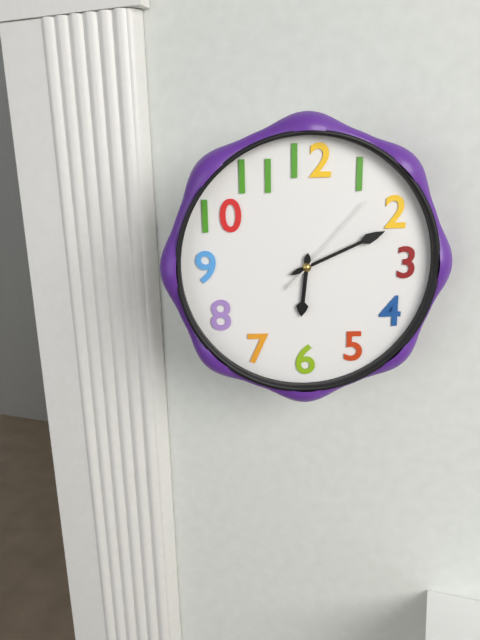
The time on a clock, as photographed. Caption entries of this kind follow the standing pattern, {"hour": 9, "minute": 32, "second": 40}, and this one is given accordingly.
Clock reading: {"hour": 6, "minute": 11, "second": 7}
